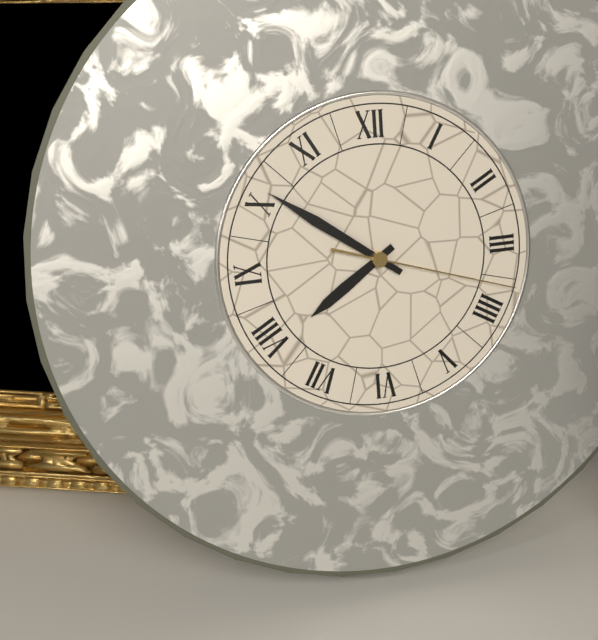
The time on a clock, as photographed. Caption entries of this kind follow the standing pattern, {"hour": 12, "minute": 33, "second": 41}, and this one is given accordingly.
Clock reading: {"hour": 7, "minute": 51, "second": 18}
